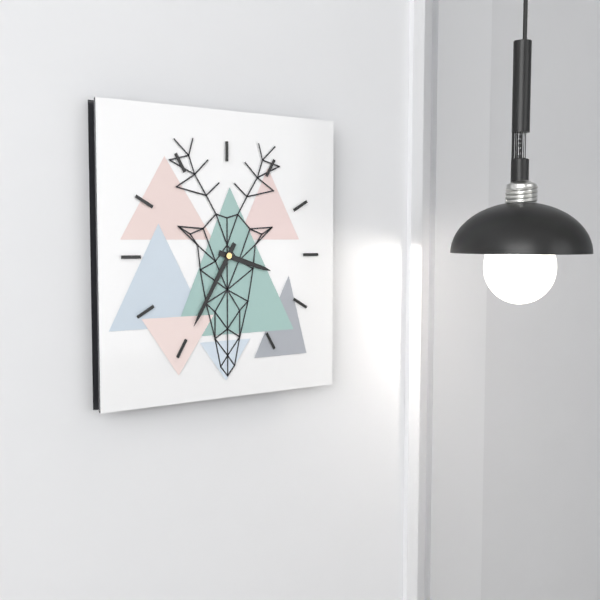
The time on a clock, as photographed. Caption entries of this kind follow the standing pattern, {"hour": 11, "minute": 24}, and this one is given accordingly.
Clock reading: {"hour": 3, "minute": 35}
